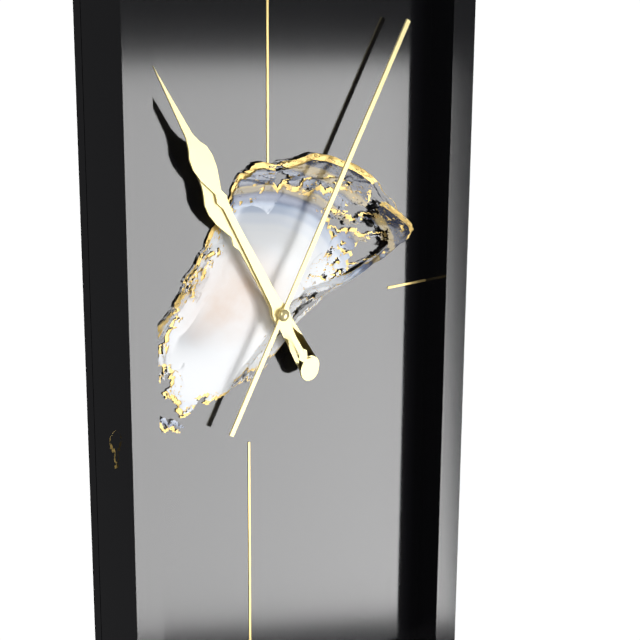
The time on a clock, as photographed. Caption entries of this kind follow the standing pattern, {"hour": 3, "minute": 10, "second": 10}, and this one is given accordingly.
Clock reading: {"hour": 10, "minute": 55, "second": 5}
